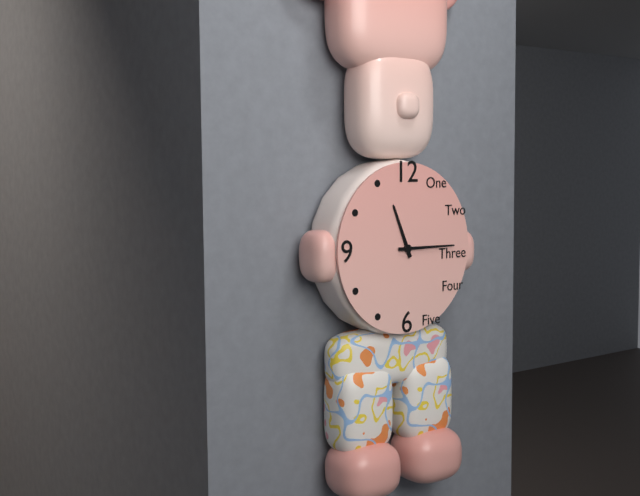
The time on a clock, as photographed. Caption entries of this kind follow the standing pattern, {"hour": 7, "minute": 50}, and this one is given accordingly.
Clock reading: {"hour": 11, "minute": 15}
